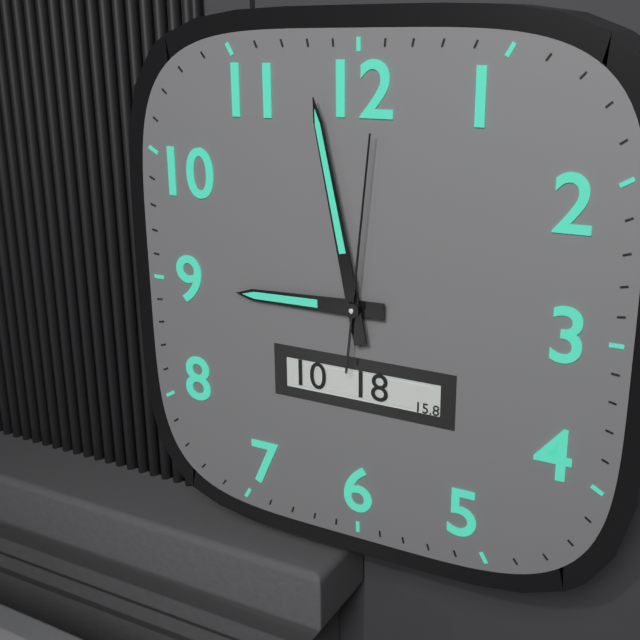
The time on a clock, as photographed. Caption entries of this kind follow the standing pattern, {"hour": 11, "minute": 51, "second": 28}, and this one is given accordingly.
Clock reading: {"hour": 8, "minute": 58, "second": 1}
